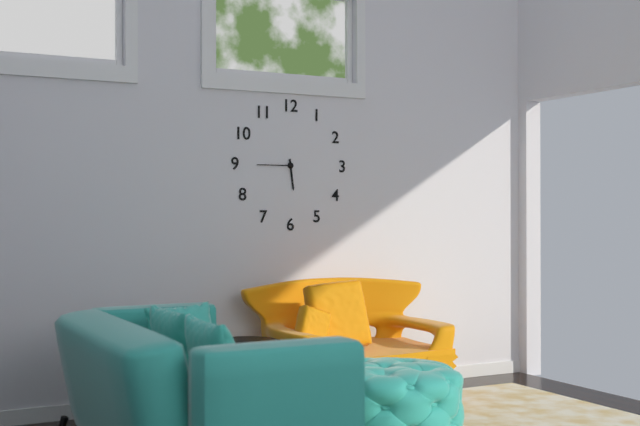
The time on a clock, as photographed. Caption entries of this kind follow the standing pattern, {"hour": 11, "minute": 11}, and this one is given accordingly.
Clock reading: {"hour": 5, "minute": 45}
